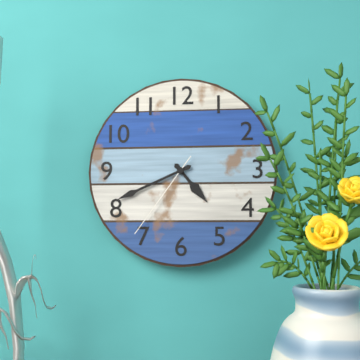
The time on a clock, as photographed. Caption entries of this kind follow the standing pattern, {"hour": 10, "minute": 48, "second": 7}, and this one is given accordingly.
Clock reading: {"hour": 4, "minute": 41, "second": 36}
